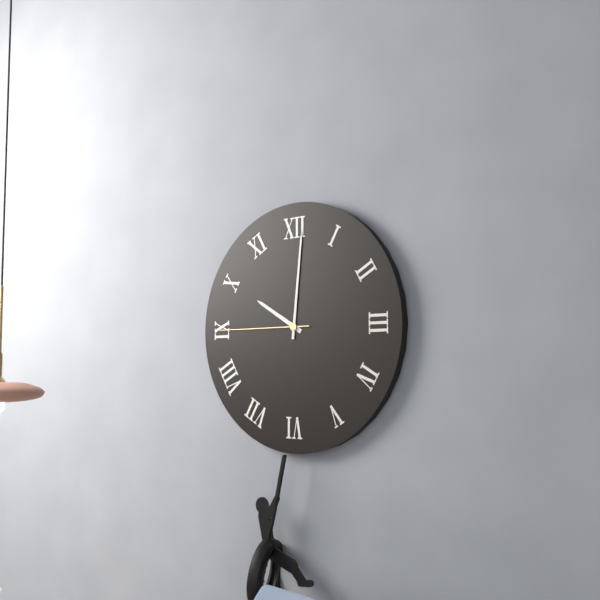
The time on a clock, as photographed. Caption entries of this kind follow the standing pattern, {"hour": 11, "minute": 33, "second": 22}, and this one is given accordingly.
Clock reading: {"hour": 10, "minute": 1, "second": 45}
